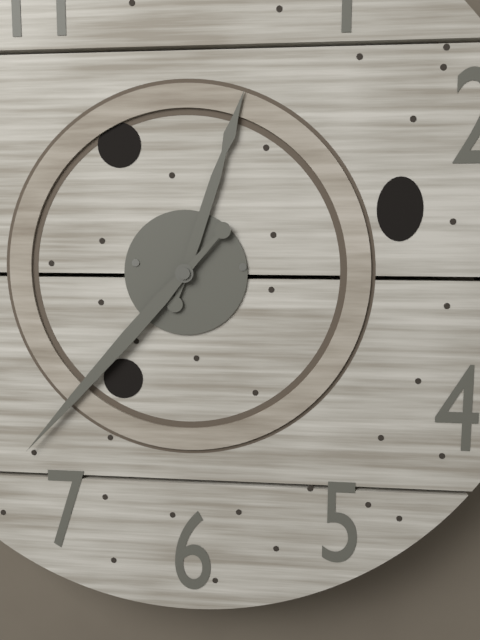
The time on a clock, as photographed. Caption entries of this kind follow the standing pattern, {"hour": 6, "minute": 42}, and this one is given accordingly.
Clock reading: {"hour": 12, "minute": 37}
